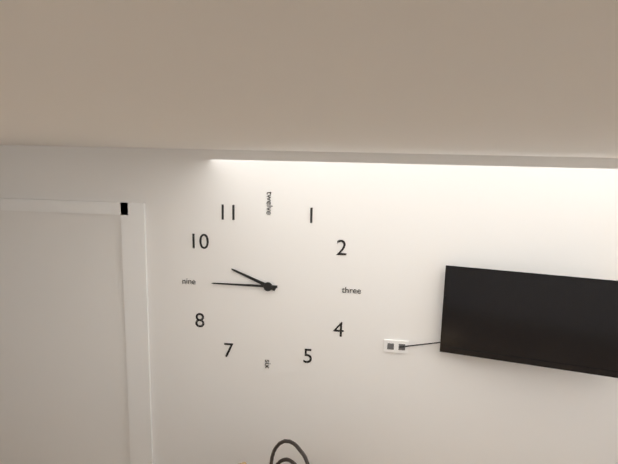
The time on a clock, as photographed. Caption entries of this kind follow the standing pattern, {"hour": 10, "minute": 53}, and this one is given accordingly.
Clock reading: {"hour": 9, "minute": 45}
